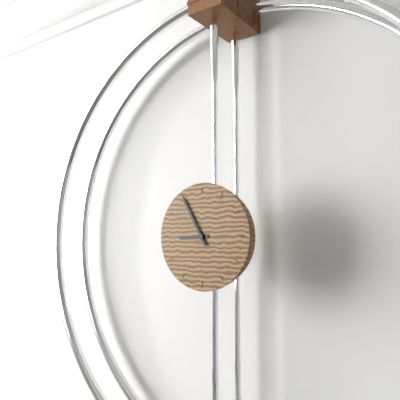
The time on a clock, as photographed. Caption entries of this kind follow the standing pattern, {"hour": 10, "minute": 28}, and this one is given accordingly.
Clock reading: {"hour": 8, "minute": 55}
